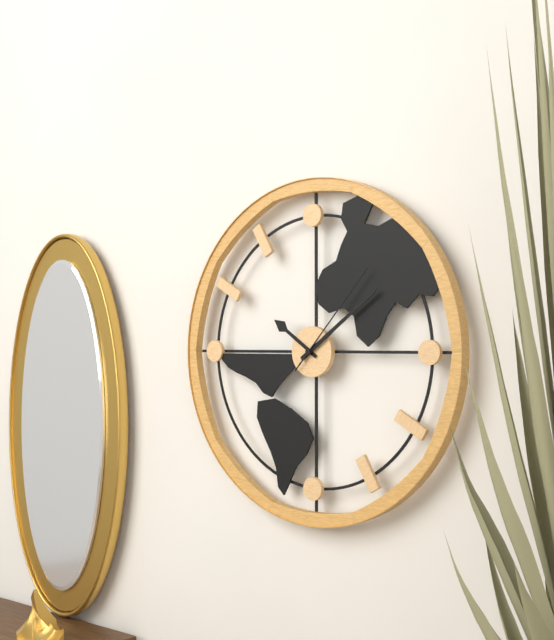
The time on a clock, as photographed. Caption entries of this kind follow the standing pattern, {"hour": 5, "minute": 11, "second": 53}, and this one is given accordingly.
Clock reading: {"hour": 10, "minute": 9, "second": 7}
